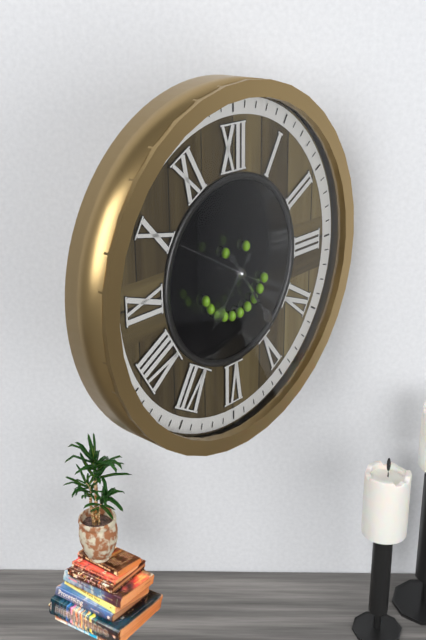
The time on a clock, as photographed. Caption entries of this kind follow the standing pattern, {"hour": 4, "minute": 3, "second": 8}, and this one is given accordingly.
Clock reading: {"hour": 7, "minute": 24, "second": 50}
